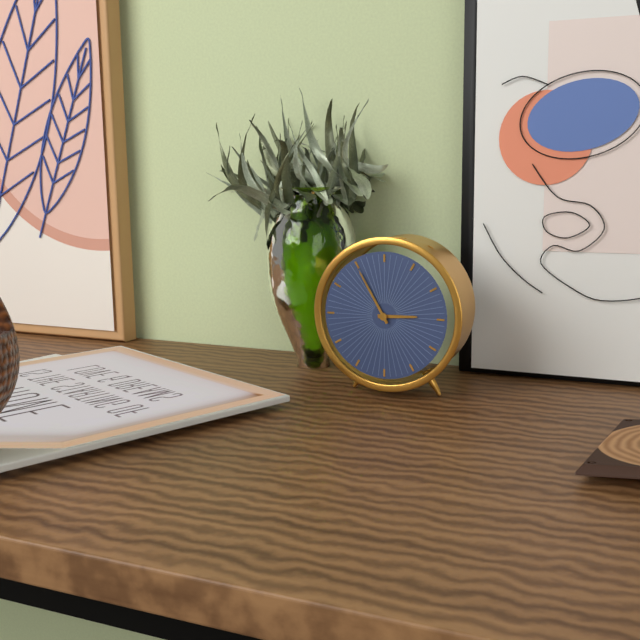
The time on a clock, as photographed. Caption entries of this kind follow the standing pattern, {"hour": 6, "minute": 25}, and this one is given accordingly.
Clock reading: {"hour": 2, "minute": 55}
